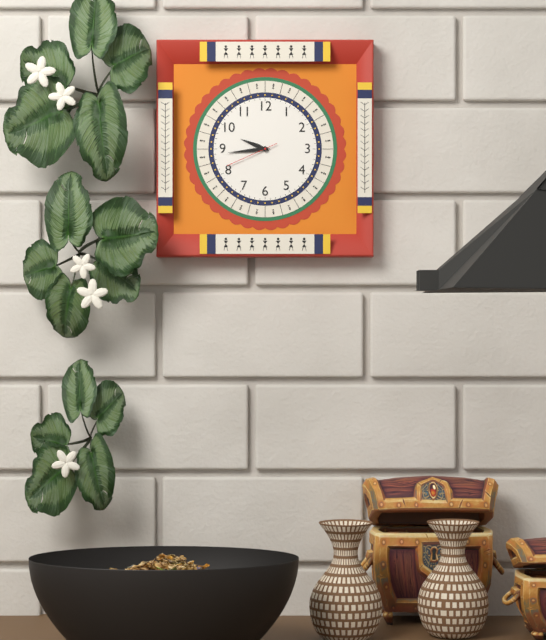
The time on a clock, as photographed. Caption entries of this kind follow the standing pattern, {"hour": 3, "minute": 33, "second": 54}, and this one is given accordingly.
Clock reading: {"hour": 9, "minute": 44, "second": 41}
